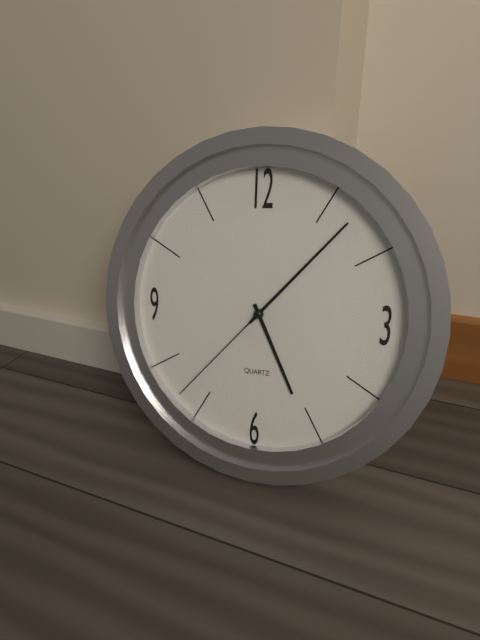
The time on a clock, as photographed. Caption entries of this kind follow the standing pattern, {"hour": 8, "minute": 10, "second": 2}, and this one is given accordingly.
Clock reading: {"hour": 5, "minute": 7, "second": 37}
